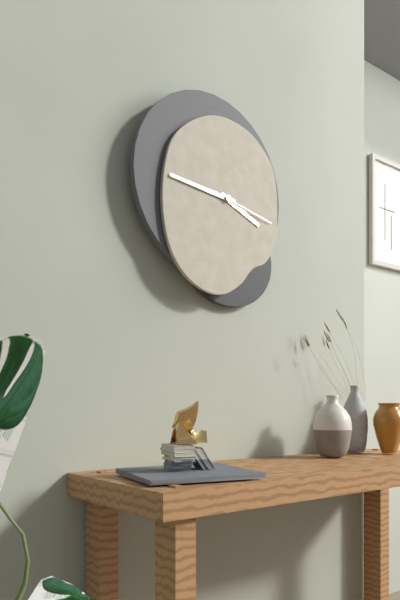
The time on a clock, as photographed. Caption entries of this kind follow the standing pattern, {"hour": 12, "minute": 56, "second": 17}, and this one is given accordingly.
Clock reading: {"hour": 3, "minute": 46, "second": 17}
